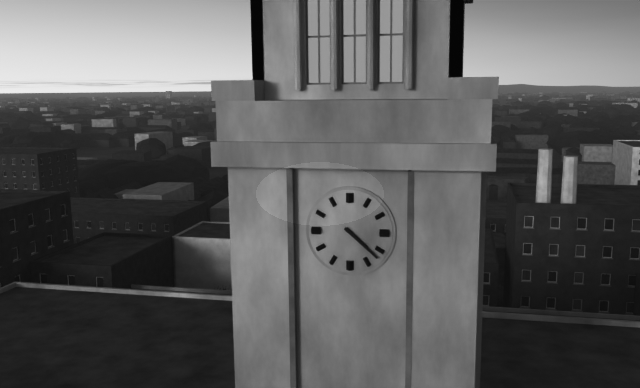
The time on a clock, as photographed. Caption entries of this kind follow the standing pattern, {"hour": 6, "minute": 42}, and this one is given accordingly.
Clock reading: {"hour": 4, "minute": 22}
